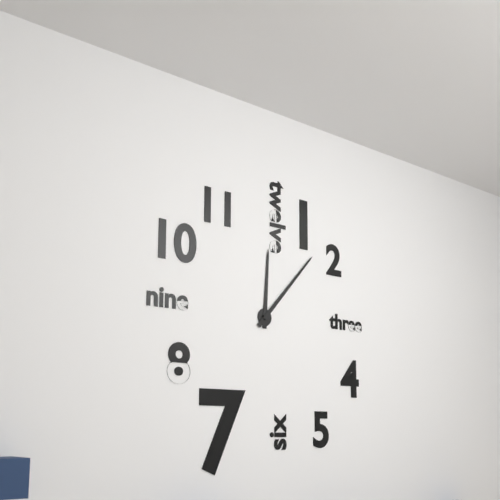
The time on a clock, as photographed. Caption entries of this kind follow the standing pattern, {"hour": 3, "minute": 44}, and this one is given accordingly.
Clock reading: {"hour": 12, "minute": 7}
